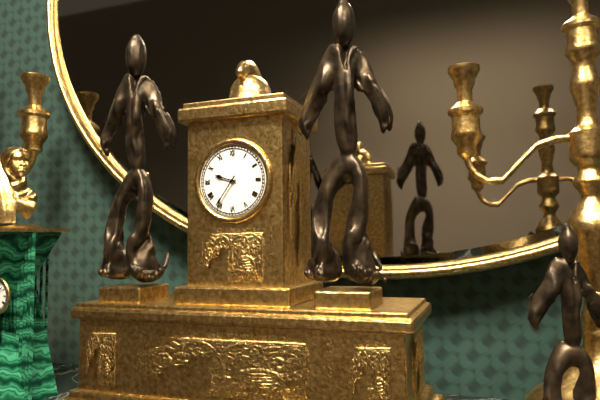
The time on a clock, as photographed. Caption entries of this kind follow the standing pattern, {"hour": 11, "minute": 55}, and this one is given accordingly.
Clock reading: {"hour": 9, "minute": 36}
